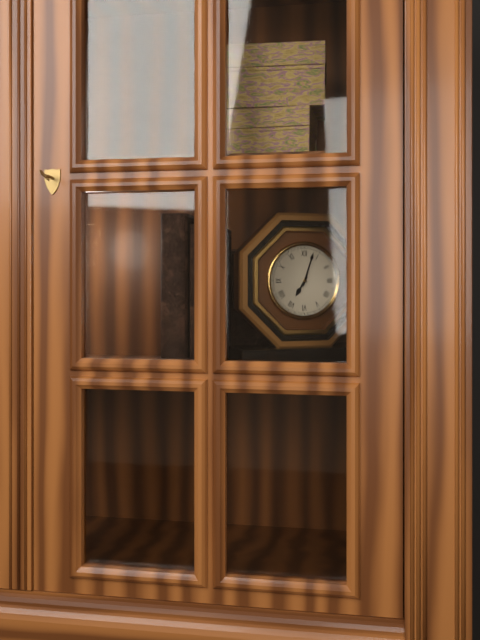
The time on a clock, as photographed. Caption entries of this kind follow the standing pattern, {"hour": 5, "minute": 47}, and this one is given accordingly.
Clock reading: {"hour": 7, "minute": 3}
